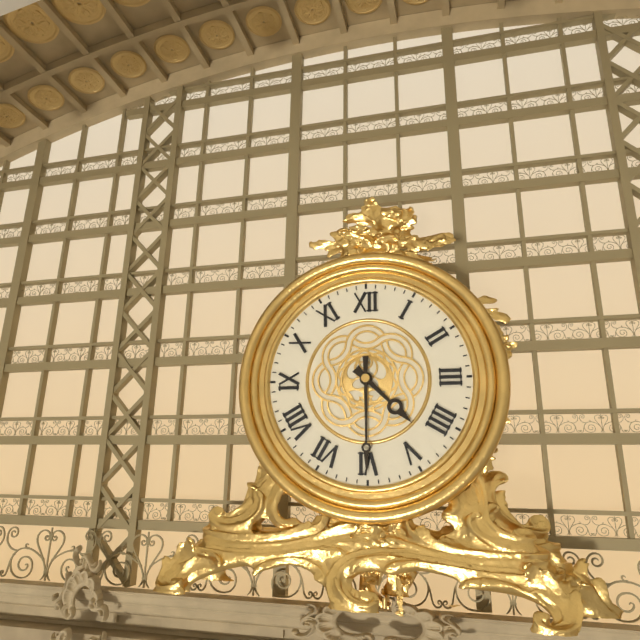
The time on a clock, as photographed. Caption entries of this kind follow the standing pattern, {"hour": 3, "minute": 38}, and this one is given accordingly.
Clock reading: {"hour": 4, "minute": 30}
